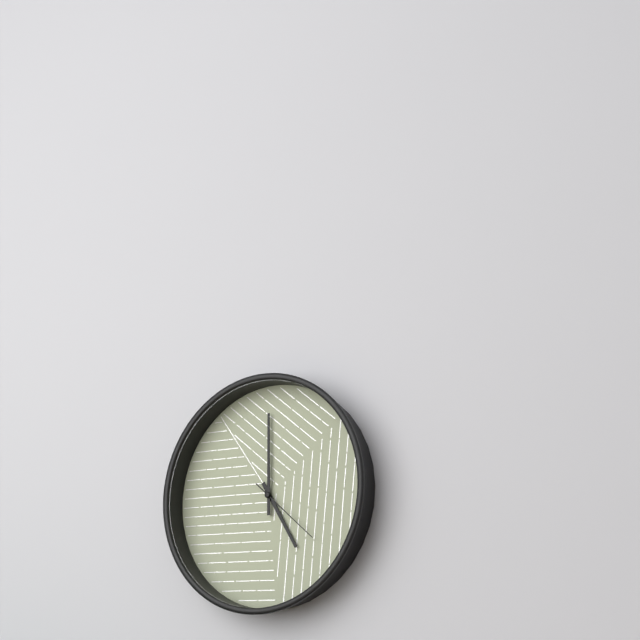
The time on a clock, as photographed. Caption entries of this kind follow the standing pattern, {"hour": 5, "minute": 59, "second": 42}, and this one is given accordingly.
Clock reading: {"hour": 5, "minute": 0, "second": 22}
